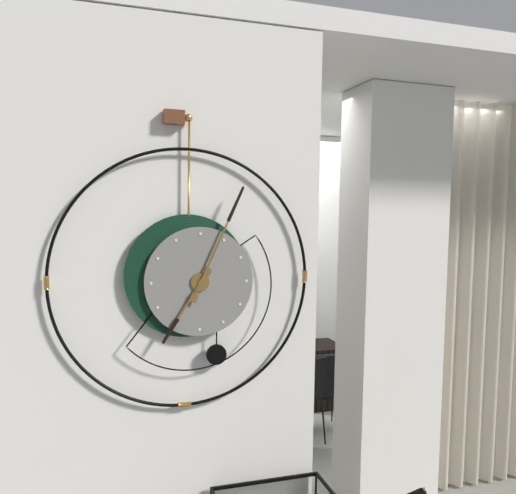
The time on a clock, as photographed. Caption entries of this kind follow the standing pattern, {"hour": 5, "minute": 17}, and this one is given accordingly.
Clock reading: {"hour": 7, "minute": 4}
